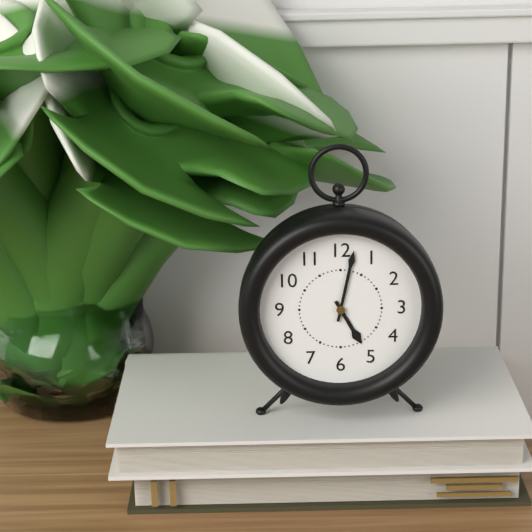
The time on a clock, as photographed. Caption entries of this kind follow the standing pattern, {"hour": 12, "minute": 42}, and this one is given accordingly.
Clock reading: {"hour": 5, "minute": 2}
